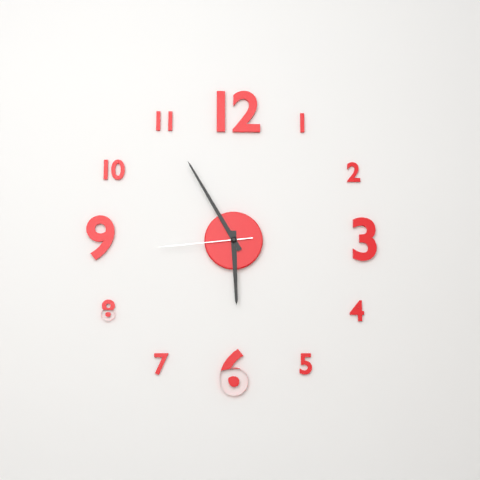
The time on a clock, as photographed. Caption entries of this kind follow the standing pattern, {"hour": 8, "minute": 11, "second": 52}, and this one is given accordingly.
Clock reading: {"hour": 5, "minute": 55, "second": 44}
